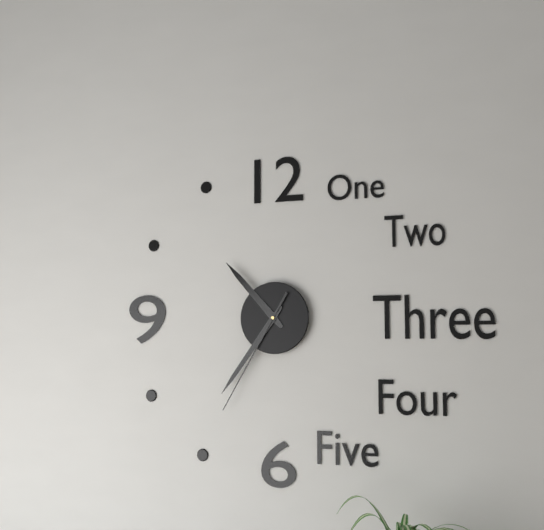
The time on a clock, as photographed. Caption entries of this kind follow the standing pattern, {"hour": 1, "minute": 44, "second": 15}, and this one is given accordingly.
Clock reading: {"hour": 10, "minute": 36, "second": 35}
